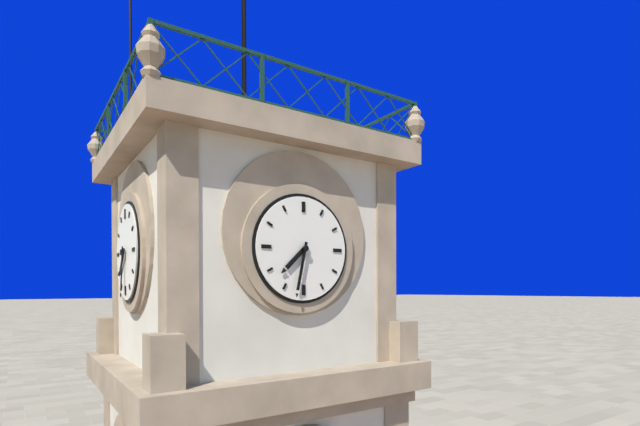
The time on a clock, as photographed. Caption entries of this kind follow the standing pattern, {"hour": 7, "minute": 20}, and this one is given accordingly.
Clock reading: {"hour": 7, "minute": 32}
